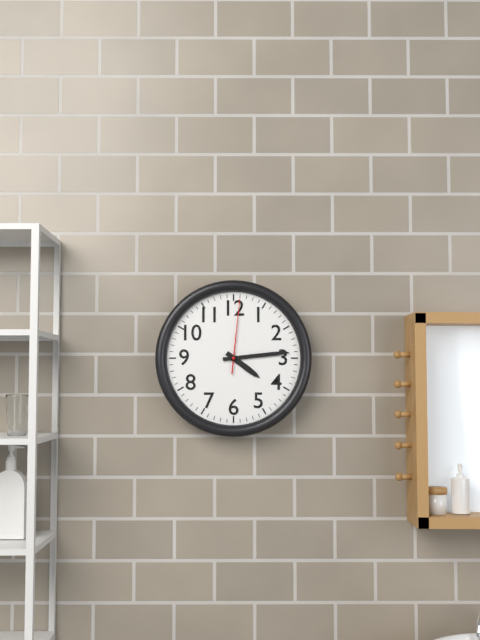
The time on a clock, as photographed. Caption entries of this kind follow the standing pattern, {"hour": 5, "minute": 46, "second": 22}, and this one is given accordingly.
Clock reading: {"hour": 4, "minute": 14, "second": 1}
